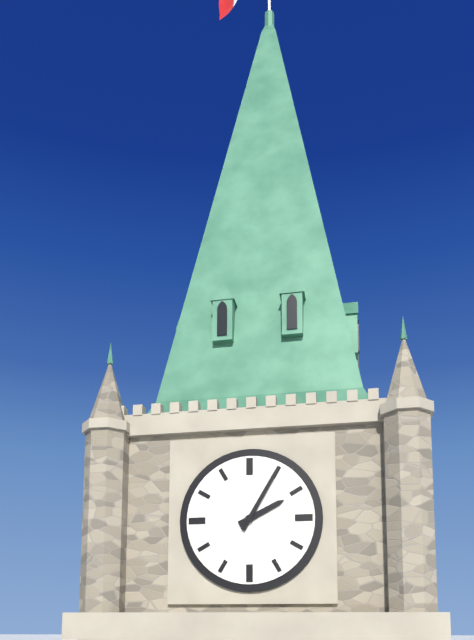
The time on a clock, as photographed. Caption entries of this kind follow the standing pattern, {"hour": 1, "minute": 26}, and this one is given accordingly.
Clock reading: {"hour": 2, "minute": 5}
